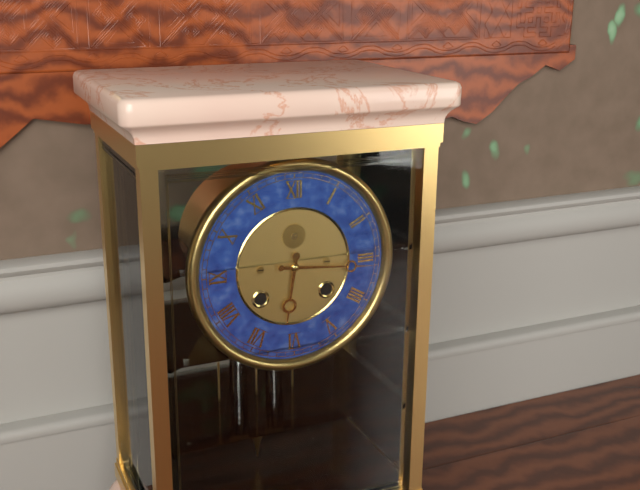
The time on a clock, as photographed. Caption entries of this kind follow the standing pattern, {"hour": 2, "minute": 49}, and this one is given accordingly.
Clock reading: {"hour": 6, "minute": 16}
